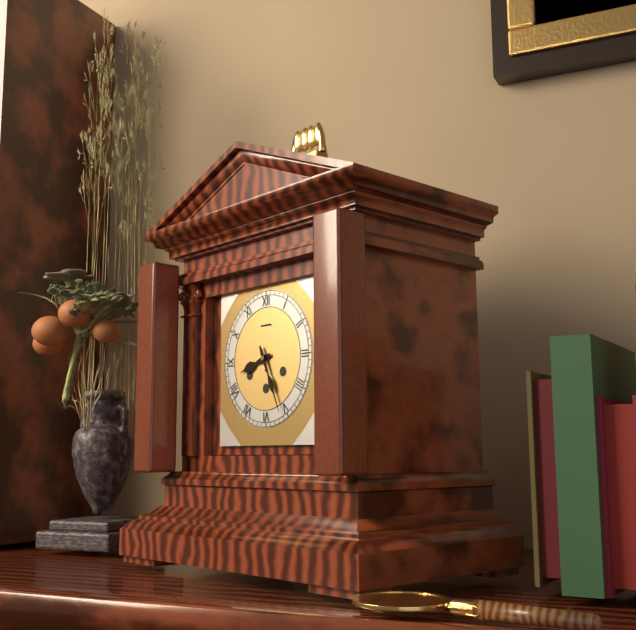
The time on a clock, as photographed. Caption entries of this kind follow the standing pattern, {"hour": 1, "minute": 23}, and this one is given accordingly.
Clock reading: {"hour": 8, "minute": 26}
